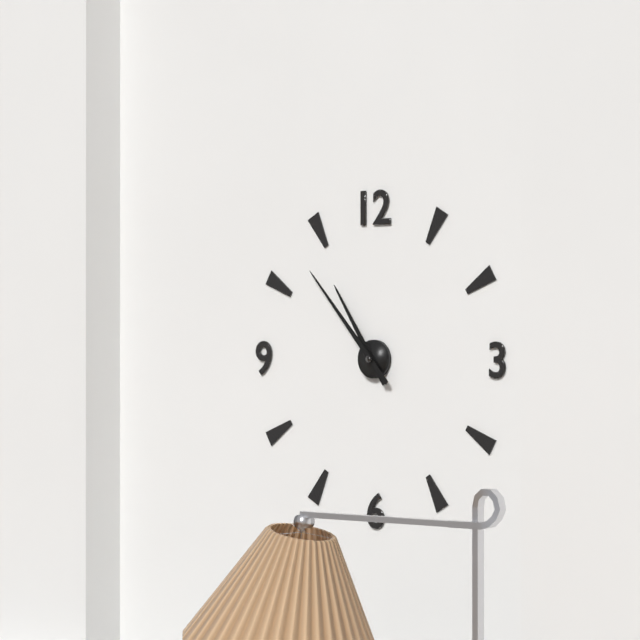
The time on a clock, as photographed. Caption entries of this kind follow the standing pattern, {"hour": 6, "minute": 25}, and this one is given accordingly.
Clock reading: {"hour": 10, "minute": 53}
